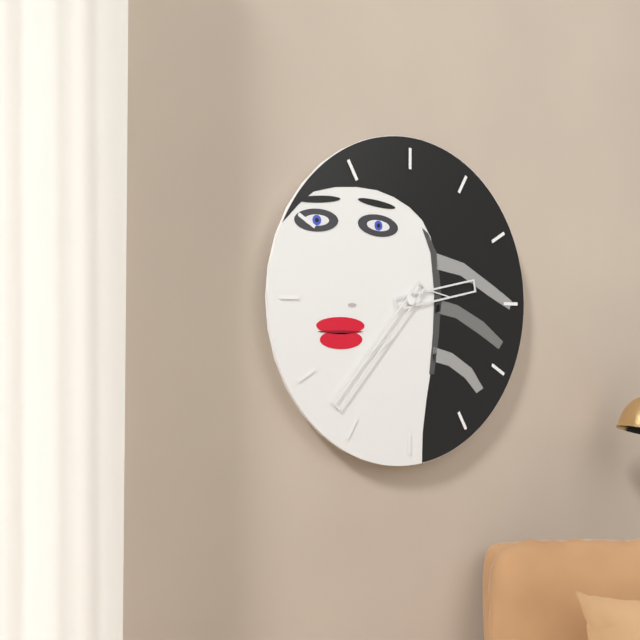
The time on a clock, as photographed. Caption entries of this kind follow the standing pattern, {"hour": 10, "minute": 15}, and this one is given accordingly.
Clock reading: {"hour": 2, "minute": 37}
